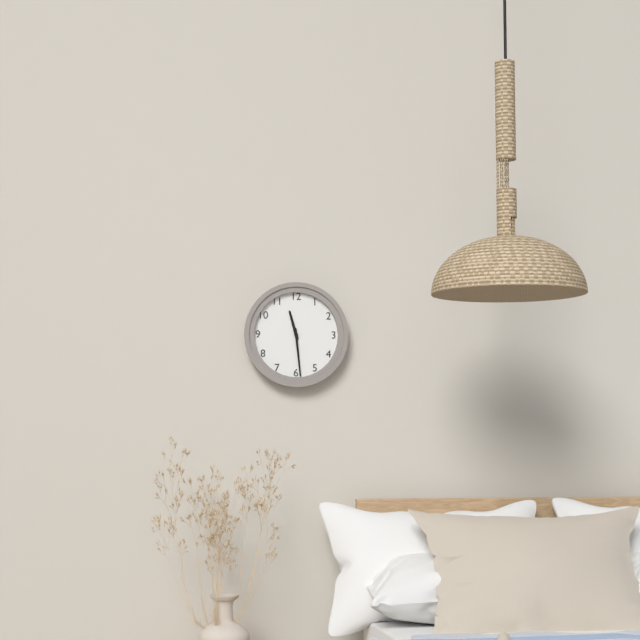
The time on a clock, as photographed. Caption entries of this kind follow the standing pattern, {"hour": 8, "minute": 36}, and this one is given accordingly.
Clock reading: {"hour": 11, "minute": 29}
